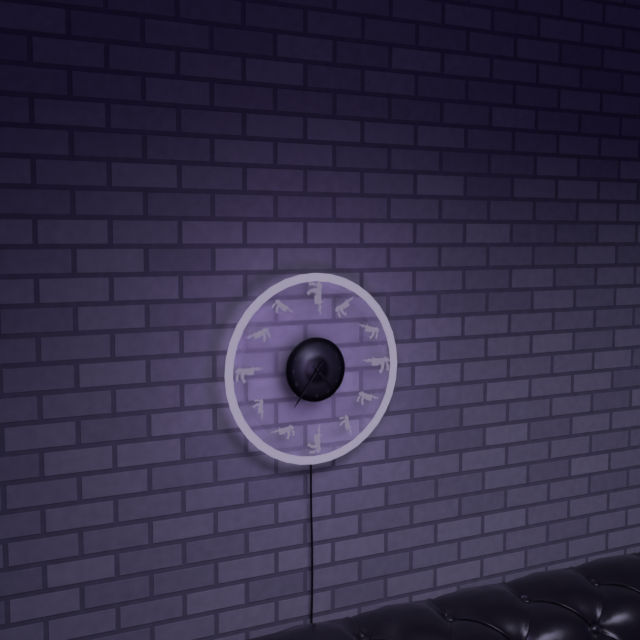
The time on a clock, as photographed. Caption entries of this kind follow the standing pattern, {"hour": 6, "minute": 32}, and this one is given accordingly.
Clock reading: {"hour": 4, "minute": 36}
